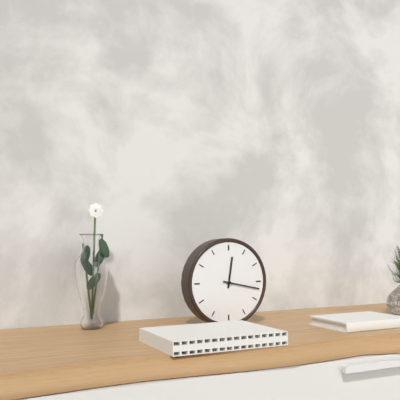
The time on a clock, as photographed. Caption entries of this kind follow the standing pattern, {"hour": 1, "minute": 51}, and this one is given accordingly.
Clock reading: {"hour": 12, "minute": 17}
